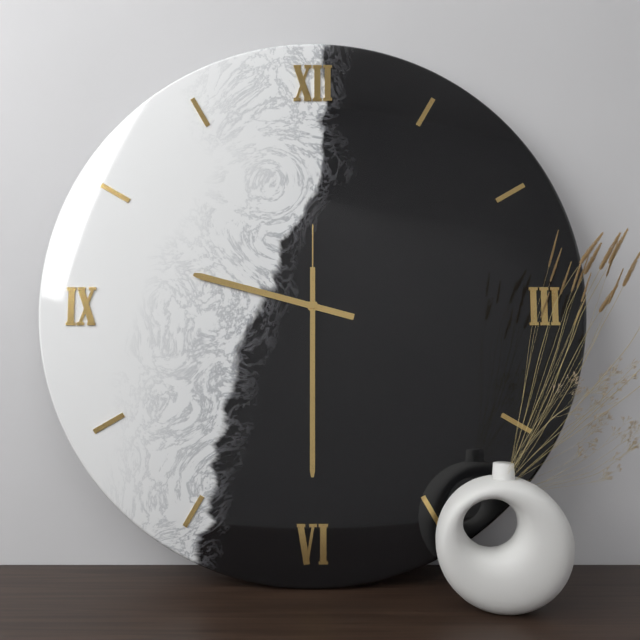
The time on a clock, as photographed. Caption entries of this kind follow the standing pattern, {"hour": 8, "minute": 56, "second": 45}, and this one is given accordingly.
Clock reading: {"hour": 9, "minute": 30, "second": 0}
